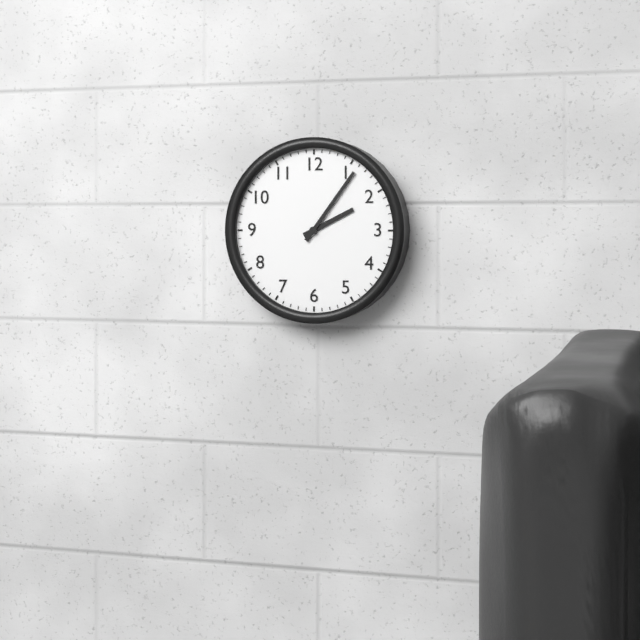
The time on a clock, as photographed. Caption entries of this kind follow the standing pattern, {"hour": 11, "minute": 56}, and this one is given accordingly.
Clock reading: {"hour": 2, "minute": 6}
